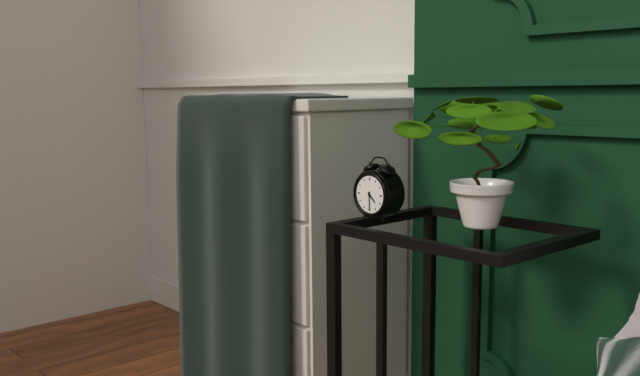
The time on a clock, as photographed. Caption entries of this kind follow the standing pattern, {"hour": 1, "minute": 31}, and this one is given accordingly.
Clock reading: {"hour": 4, "minute": 30}
